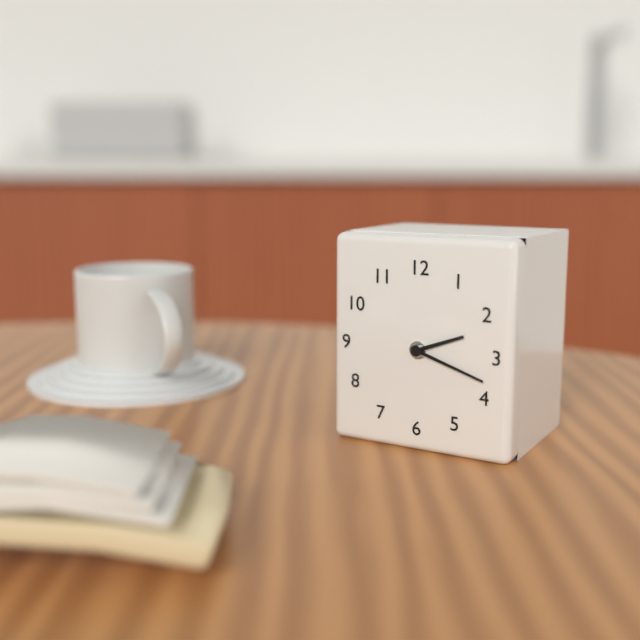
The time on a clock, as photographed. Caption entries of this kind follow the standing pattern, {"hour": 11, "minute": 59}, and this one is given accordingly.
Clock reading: {"hour": 2, "minute": 18}
